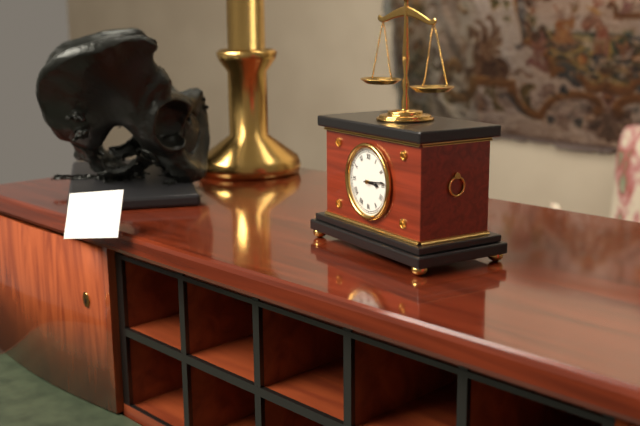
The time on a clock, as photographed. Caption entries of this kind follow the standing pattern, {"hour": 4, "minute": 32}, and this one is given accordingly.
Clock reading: {"hour": 3, "minute": 14}
